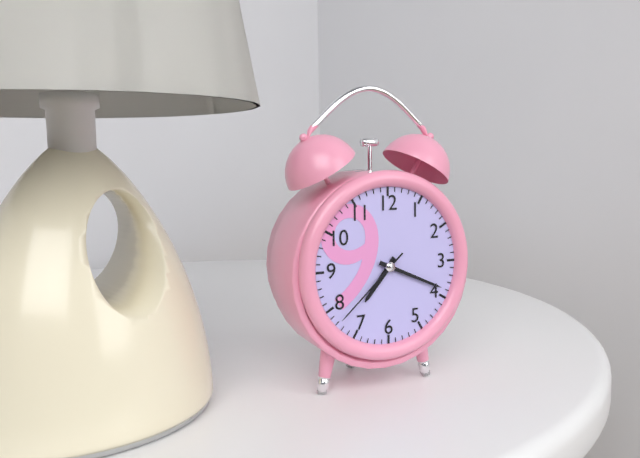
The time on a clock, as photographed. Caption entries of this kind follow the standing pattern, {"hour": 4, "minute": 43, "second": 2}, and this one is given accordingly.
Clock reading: {"hour": 7, "minute": 19, "second": 38}
